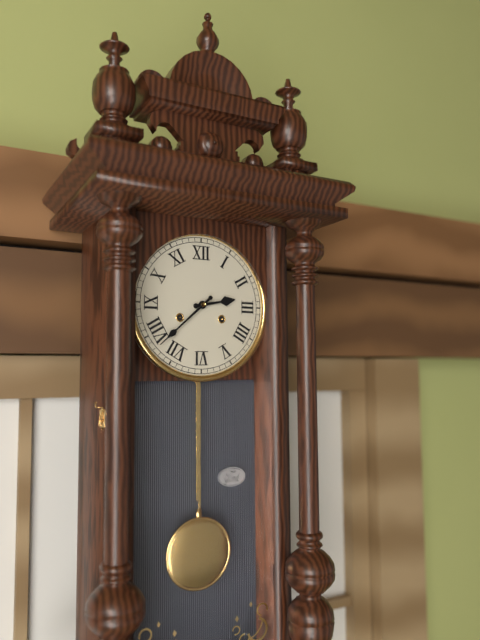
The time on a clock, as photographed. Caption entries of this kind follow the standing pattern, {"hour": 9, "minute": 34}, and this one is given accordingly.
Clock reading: {"hour": 2, "minute": 38}
